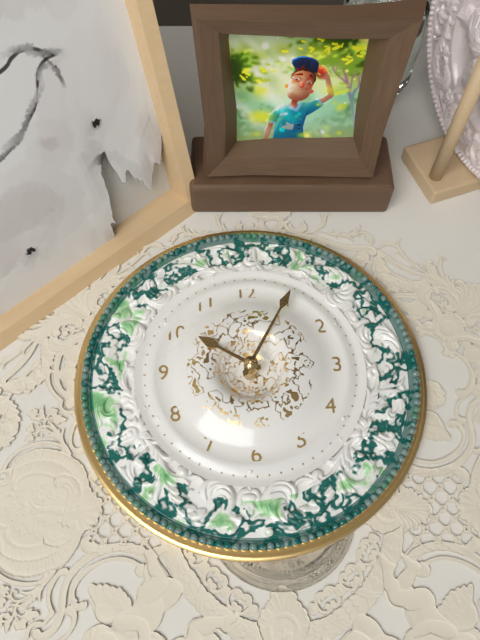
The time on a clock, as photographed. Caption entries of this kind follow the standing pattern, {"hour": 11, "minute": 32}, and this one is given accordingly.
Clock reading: {"hour": 10, "minute": 5}
